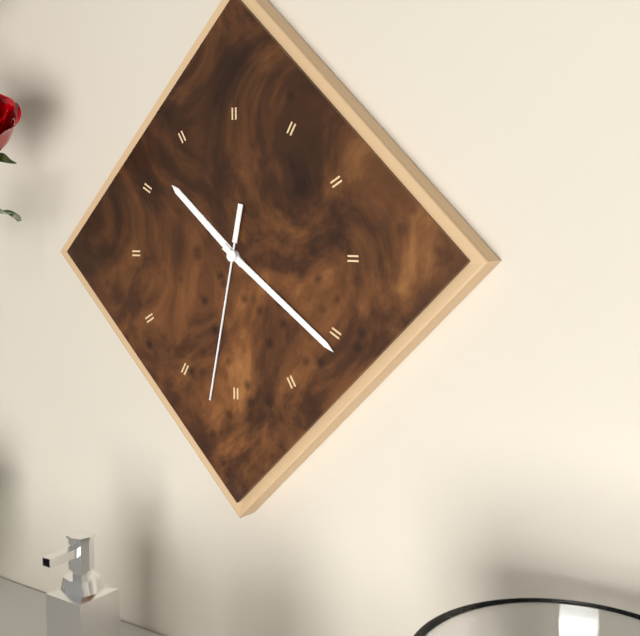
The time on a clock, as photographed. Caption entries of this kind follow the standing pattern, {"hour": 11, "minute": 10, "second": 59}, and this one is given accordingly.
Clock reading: {"hour": 10, "minute": 21, "second": 32}
